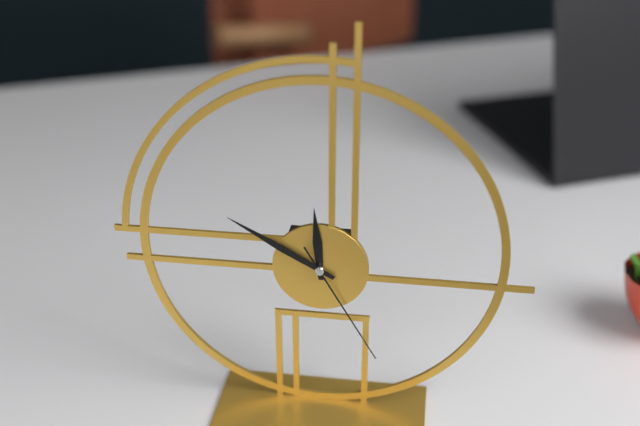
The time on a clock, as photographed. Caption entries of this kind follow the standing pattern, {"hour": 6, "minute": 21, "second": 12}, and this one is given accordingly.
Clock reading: {"hour": 11, "minute": 50, "second": 25}
